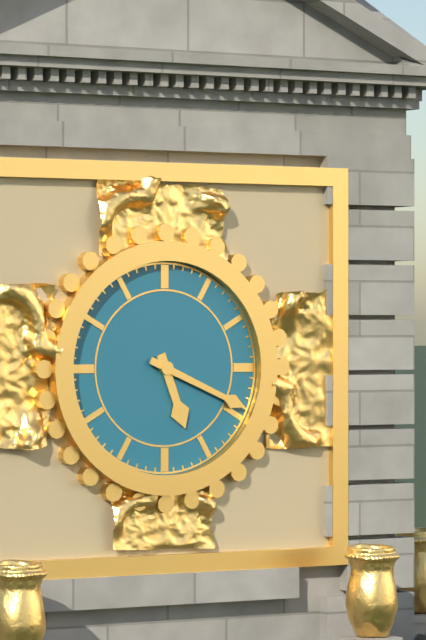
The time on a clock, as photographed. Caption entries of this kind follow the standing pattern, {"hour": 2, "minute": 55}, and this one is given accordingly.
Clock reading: {"hour": 5, "minute": 19}
